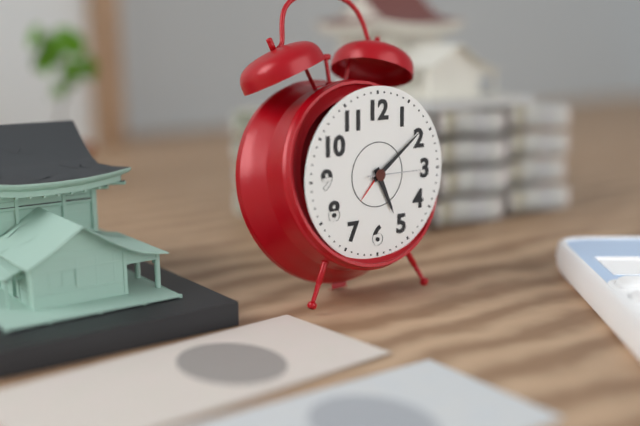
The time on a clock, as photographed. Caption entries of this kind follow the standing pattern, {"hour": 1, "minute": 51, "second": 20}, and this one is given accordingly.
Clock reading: {"hour": 5, "minute": 9, "second": 15}
